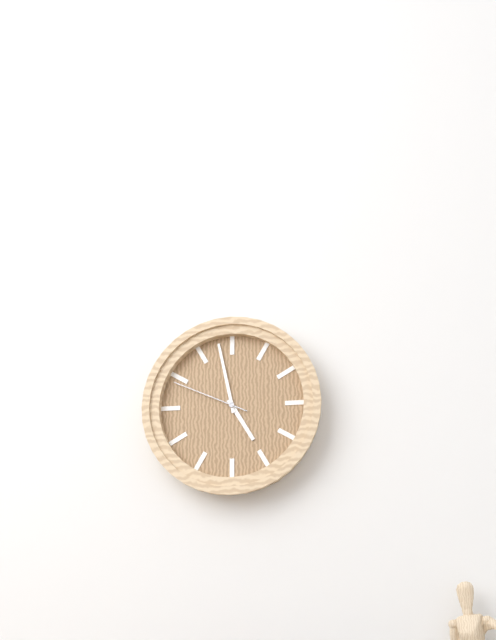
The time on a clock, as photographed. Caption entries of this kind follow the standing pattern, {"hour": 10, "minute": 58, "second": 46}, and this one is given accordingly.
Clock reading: {"hour": 4, "minute": 58, "second": 49}
